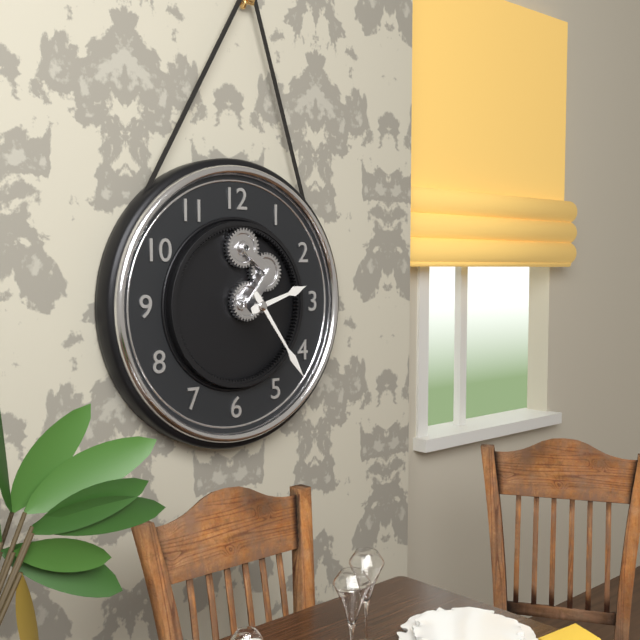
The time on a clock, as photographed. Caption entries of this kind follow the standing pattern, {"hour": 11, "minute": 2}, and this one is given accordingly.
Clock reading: {"hour": 2, "minute": 24}
